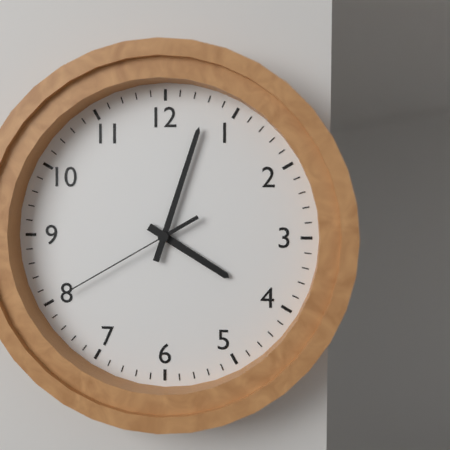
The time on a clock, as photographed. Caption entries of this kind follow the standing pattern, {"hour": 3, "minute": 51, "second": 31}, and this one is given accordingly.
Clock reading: {"hour": 4, "minute": 3, "second": 40}
